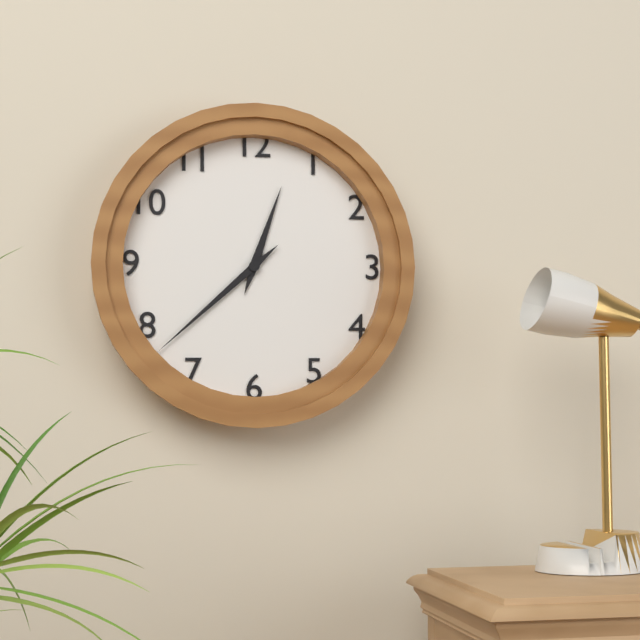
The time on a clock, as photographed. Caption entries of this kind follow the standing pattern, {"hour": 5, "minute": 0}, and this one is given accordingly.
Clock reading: {"hour": 12, "minute": 38}
